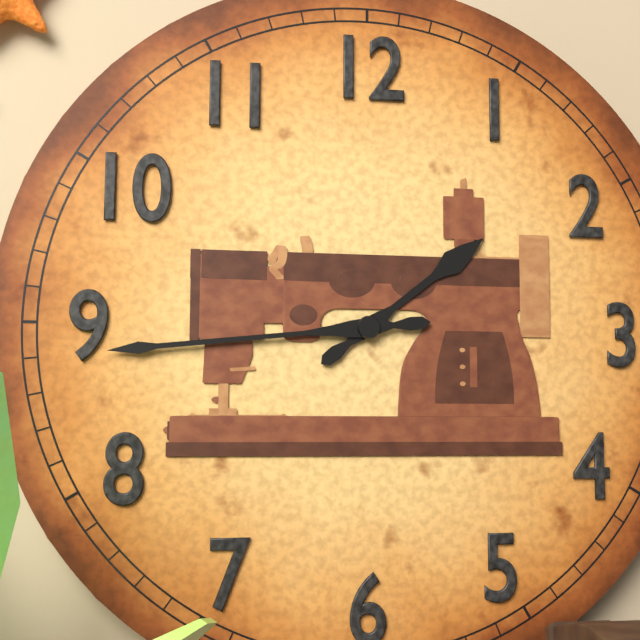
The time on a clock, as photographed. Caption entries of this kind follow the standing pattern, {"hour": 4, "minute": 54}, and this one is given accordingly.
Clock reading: {"hour": 1, "minute": 44}
